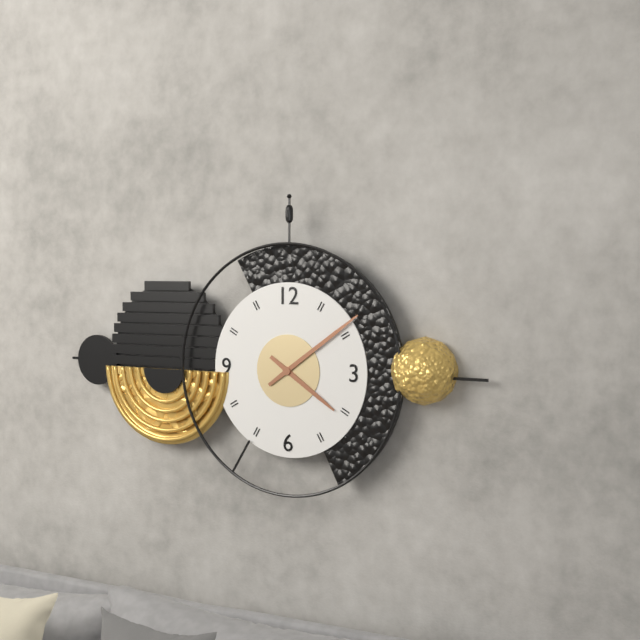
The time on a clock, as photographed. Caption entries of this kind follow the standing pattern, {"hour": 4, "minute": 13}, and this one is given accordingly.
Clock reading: {"hour": 4, "minute": 9}
